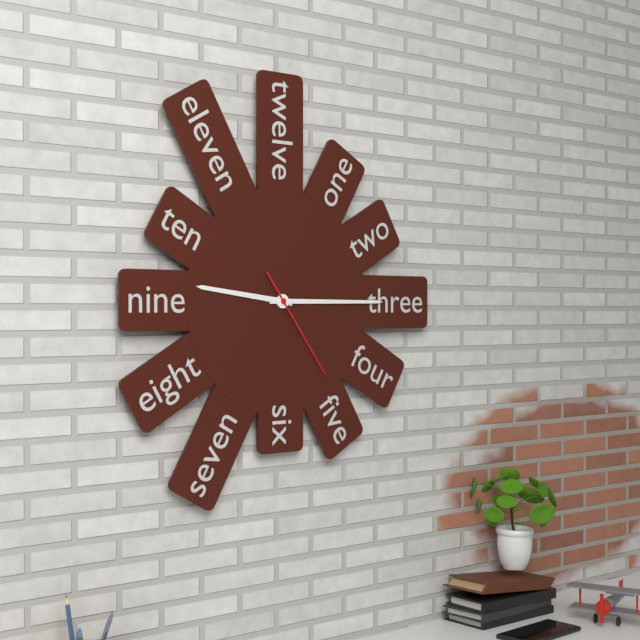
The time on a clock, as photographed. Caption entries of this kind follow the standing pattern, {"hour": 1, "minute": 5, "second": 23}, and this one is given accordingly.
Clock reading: {"hour": 9, "minute": 15, "second": 24}
